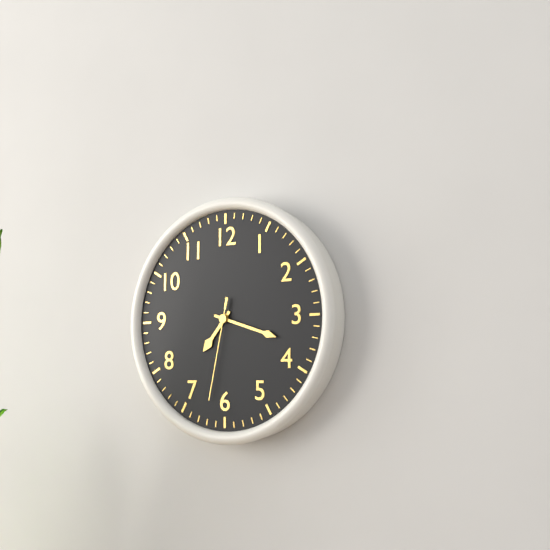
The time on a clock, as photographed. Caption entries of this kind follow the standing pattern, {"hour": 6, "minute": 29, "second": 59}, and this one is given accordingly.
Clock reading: {"hour": 7, "minute": 18, "second": 32}
